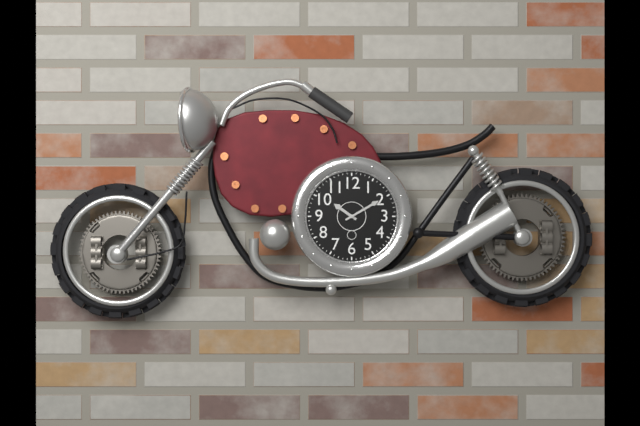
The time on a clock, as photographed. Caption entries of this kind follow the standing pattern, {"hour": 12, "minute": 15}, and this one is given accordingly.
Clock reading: {"hour": 10, "minute": 10}
